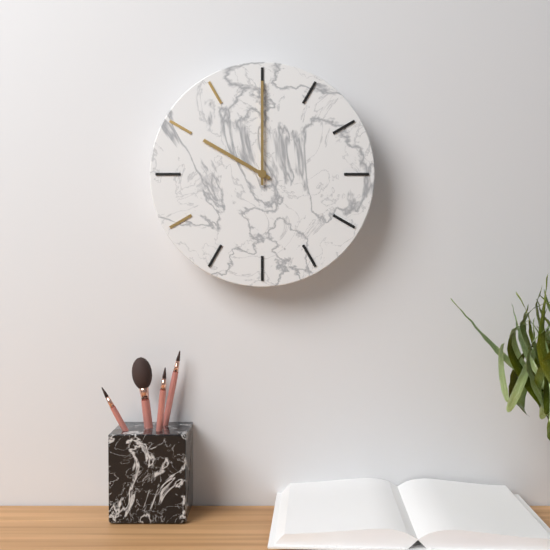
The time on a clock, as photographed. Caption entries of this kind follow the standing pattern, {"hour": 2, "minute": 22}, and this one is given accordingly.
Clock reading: {"hour": 10, "minute": 0}
